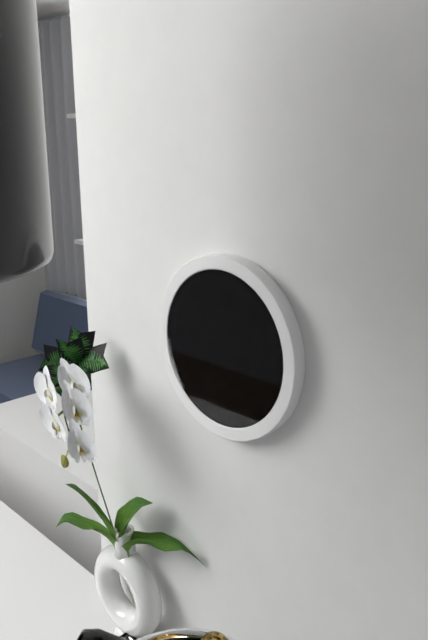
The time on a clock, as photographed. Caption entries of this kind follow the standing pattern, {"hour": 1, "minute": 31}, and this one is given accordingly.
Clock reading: {"hour": 1, "minute": 55}
